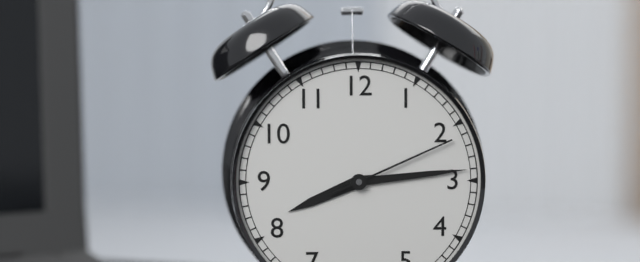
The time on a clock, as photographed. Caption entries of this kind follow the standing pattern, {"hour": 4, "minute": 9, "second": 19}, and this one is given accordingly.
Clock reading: {"hour": 8, "minute": 14, "second": 11}
